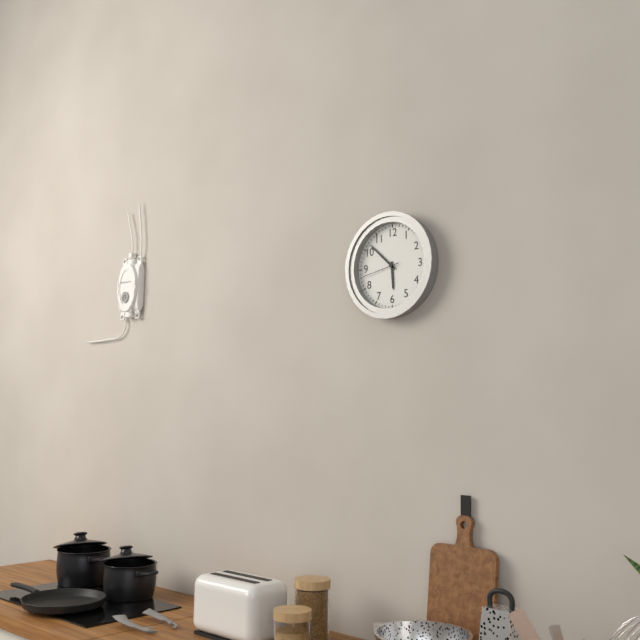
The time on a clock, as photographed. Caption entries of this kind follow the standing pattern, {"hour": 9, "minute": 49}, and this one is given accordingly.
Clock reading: {"hour": 5, "minute": 52}
